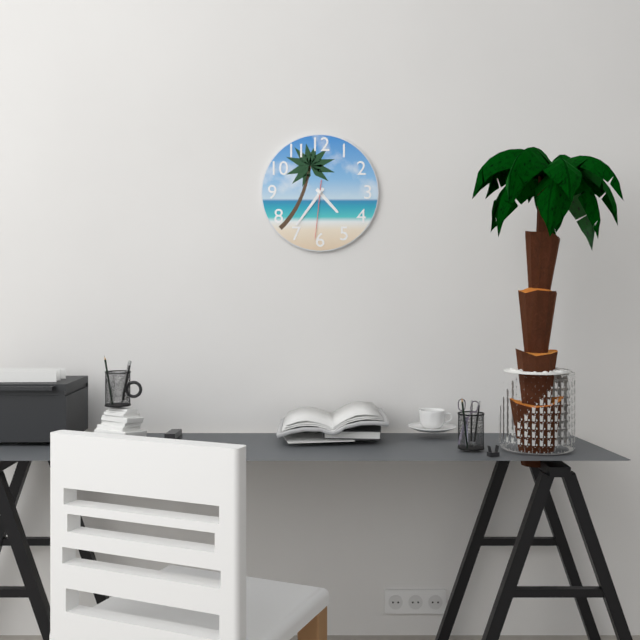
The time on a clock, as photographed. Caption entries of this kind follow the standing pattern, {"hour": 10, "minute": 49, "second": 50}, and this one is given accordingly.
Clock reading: {"hour": 4, "minute": 36, "second": 31}
